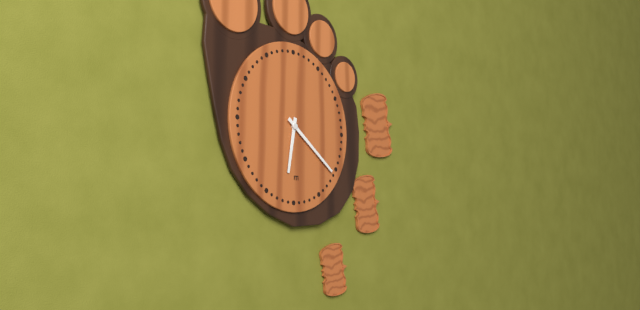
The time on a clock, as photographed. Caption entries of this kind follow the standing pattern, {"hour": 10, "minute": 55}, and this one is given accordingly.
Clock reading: {"hour": 6, "minute": 21}
